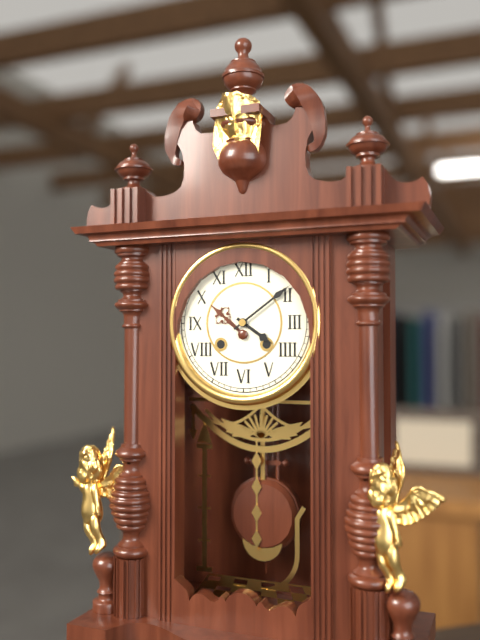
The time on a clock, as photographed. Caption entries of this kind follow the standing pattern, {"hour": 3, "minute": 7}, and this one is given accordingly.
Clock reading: {"hour": 4, "minute": 9}
